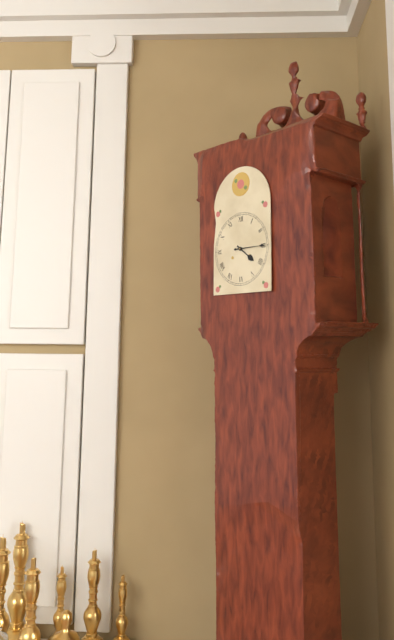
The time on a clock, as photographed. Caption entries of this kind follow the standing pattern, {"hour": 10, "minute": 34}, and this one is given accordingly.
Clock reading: {"hour": 4, "minute": 15}
